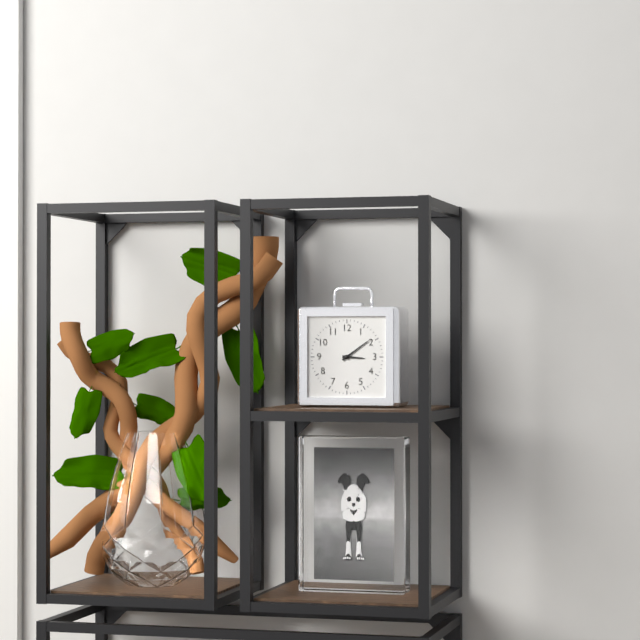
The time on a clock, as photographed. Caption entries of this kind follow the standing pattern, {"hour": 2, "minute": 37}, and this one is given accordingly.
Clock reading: {"hour": 3, "minute": 9}
